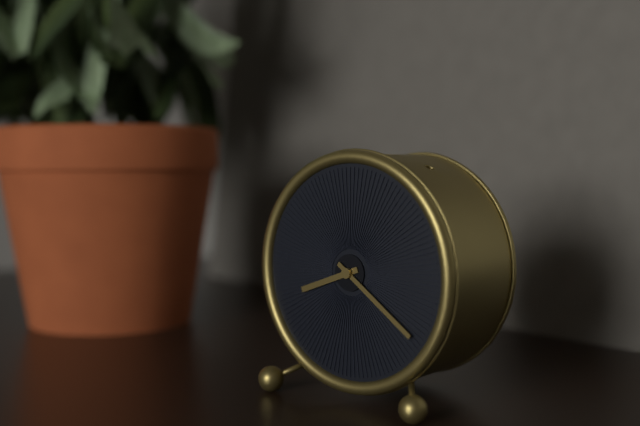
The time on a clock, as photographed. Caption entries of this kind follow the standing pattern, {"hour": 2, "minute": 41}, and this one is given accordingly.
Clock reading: {"hour": 8, "minute": 21}
